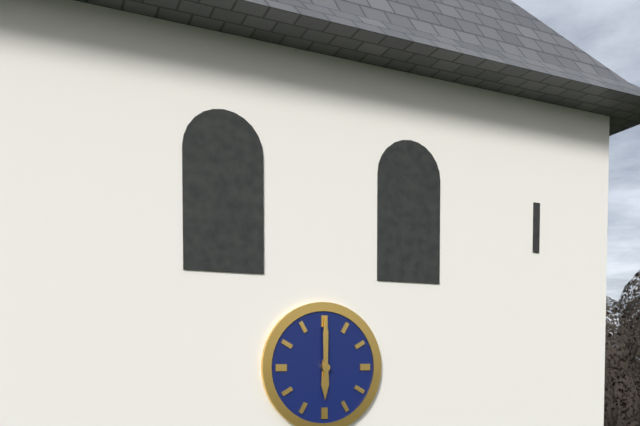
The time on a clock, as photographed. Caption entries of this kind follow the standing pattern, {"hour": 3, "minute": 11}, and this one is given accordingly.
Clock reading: {"hour": 6, "minute": 0}
